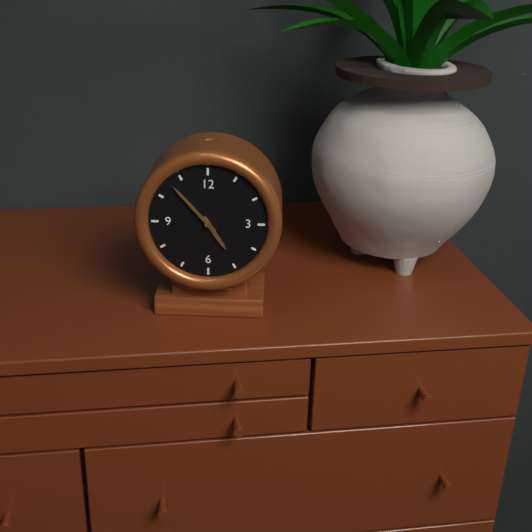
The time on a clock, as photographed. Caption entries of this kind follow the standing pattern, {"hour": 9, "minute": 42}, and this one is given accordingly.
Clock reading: {"hour": 4, "minute": 53}
